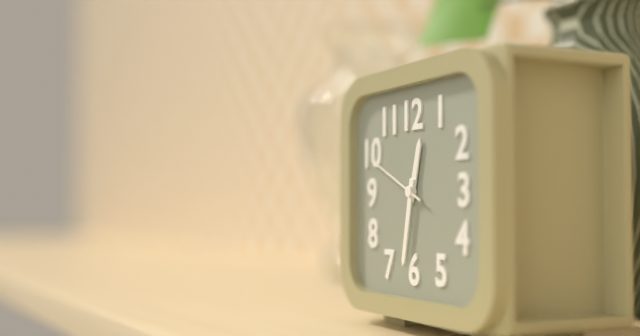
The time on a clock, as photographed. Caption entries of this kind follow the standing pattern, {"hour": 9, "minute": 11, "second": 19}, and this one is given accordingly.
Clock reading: {"hour": 12, "minute": 32, "second": 49}
